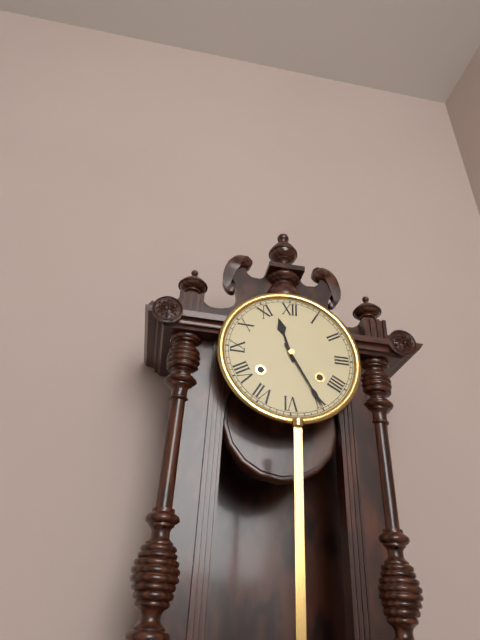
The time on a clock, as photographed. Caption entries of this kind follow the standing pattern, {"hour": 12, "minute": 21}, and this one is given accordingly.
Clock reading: {"hour": 11, "minute": 25}
